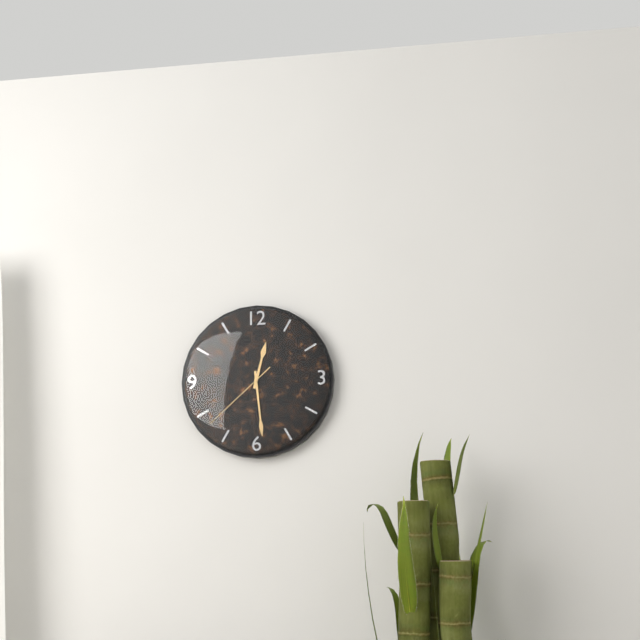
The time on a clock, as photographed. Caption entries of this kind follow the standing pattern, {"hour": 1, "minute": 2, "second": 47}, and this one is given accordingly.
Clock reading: {"hour": 12, "minute": 29, "second": 38}
